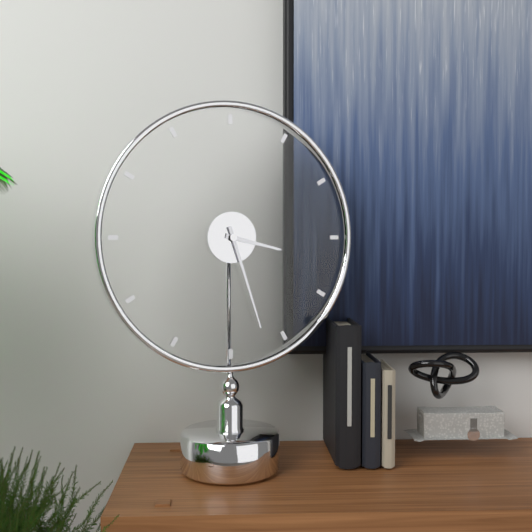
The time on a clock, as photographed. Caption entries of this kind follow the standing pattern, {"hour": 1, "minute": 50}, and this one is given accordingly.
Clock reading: {"hour": 3, "minute": 27}
